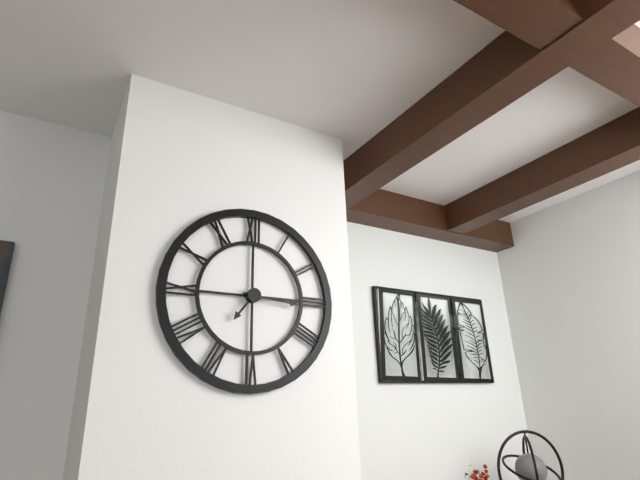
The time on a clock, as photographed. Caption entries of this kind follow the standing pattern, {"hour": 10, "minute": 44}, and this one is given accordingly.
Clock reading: {"hour": 7, "minute": 16}
